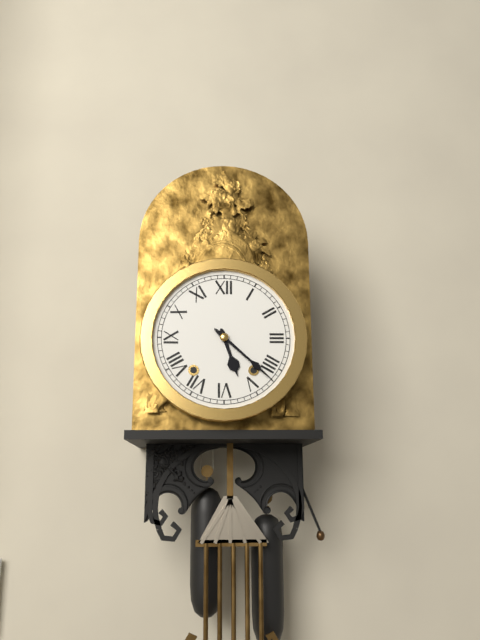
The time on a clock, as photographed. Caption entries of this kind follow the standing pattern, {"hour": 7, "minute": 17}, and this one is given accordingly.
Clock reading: {"hour": 5, "minute": 22}
